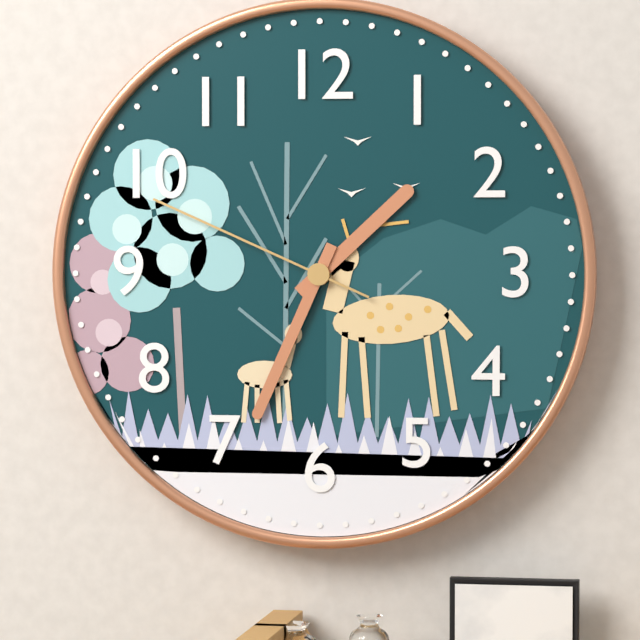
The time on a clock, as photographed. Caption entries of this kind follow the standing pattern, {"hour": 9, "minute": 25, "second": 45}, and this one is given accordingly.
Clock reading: {"hour": 1, "minute": 34, "second": 49}
